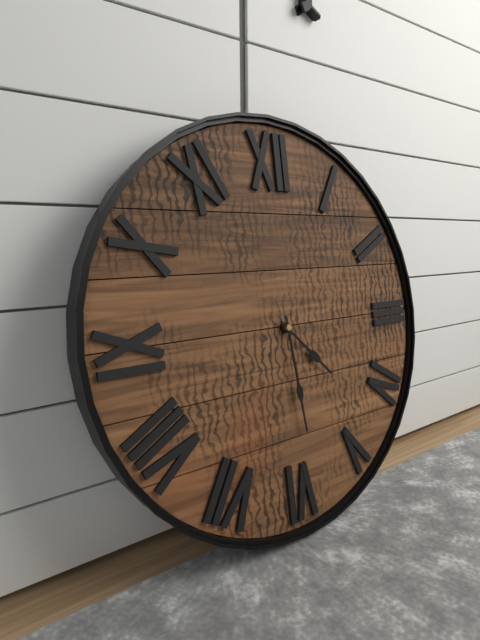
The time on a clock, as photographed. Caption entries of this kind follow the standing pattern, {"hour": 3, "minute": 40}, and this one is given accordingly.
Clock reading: {"hour": 4, "minute": 29}
